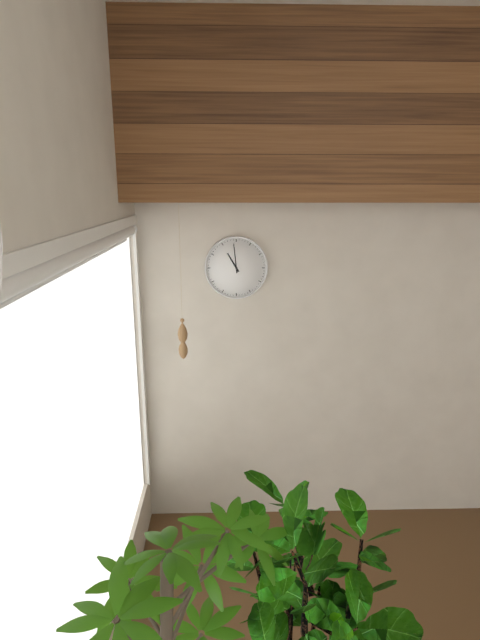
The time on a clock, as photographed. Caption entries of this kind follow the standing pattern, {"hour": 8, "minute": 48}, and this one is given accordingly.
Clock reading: {"hour": 10, "minute": 59}
